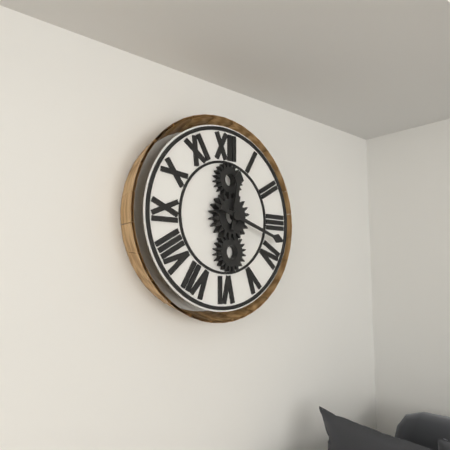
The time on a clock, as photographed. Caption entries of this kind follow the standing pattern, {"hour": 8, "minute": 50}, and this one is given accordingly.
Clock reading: {"hour": 12, "minute": 18}
